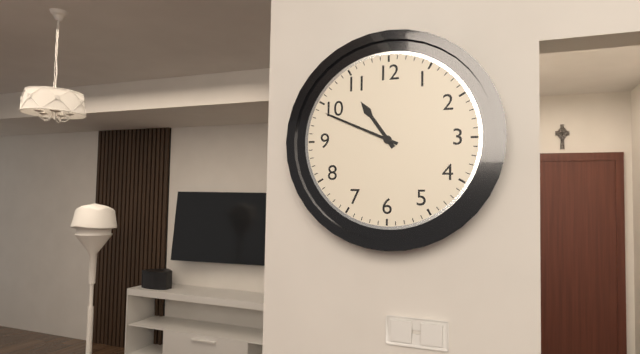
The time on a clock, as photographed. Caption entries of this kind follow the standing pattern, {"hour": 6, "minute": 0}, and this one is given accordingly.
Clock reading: {"hour": 10, "minute": 49}
